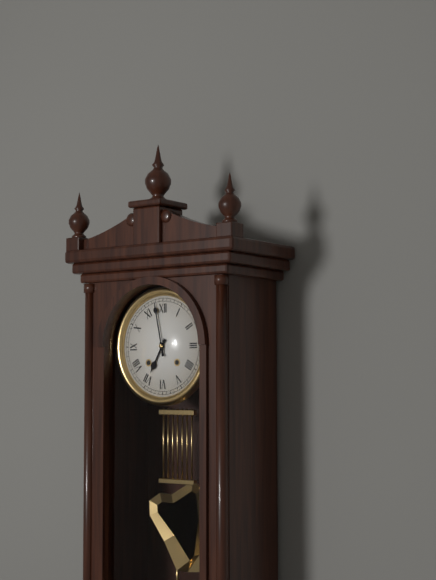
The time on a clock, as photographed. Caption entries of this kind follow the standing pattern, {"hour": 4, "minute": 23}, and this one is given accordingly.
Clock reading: {"hour": 6, "minute": 58}
